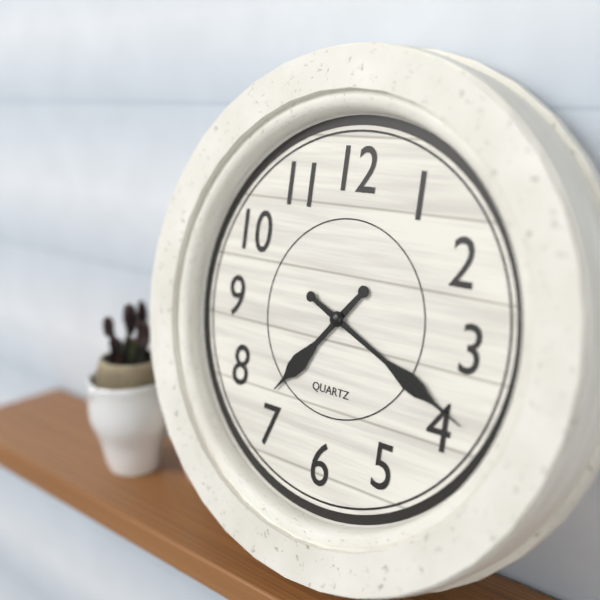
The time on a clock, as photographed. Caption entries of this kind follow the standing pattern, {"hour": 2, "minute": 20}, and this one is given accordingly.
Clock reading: {"hour": 7, "minute": 19}
